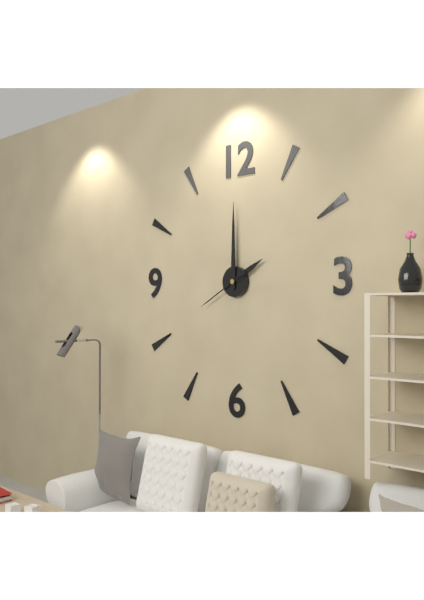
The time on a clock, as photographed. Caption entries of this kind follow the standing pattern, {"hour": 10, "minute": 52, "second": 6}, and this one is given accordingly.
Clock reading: {"hour": 2, "minute": 0, "second": 40}
